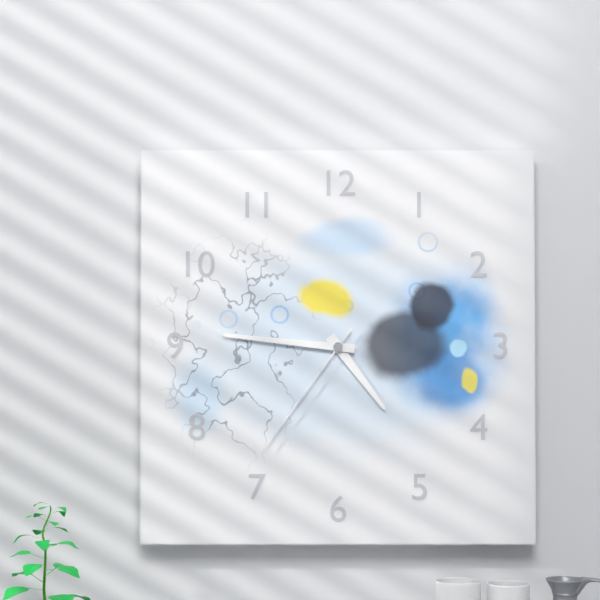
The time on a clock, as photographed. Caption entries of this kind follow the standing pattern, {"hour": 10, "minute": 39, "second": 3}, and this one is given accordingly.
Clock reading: {"hour": 4, "minute": 46, "second": 36}
